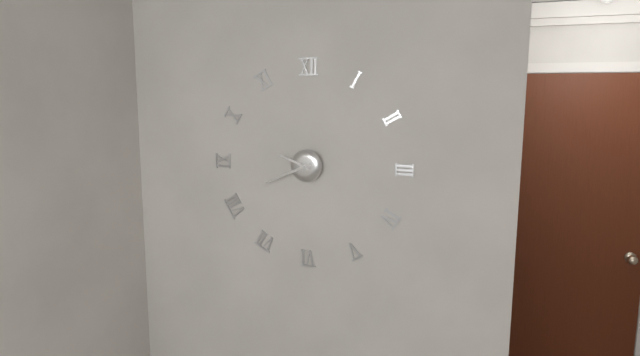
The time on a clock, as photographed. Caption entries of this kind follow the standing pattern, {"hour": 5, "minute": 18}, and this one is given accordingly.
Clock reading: {"hour": 9, "minute": 41}
